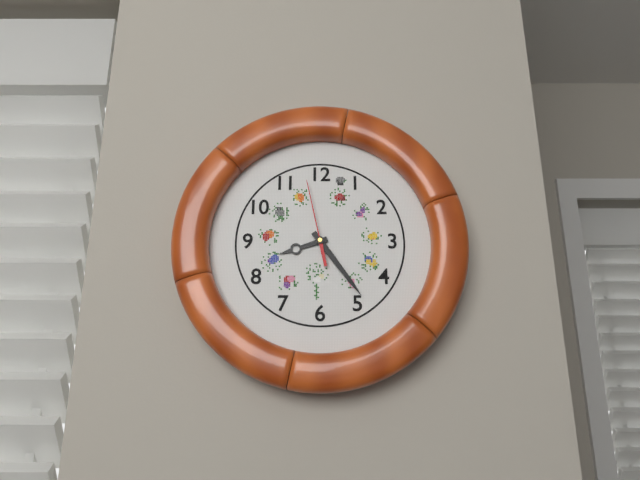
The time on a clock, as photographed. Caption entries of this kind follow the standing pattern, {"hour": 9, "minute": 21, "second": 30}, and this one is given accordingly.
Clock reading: {"hour": 8, "minute": 24, "second": 58}
